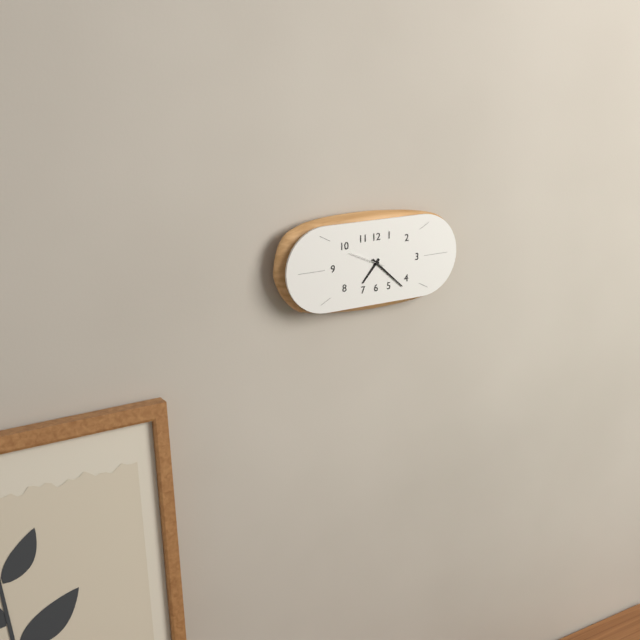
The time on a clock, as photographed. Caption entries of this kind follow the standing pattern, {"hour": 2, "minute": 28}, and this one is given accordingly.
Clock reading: {"hour": 7, "minute": 22}
